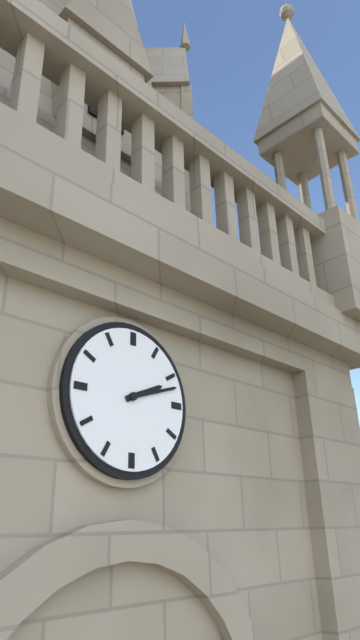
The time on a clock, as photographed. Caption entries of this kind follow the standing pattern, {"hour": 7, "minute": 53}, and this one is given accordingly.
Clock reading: {"hour": 2, "minute": 12}
